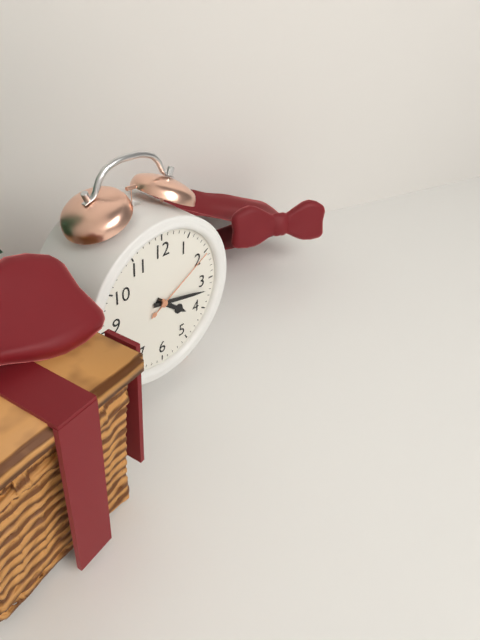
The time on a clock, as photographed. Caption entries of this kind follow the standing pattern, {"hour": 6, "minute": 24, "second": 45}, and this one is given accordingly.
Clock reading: {"hour": 4, "minute": 17, "second": 10}
